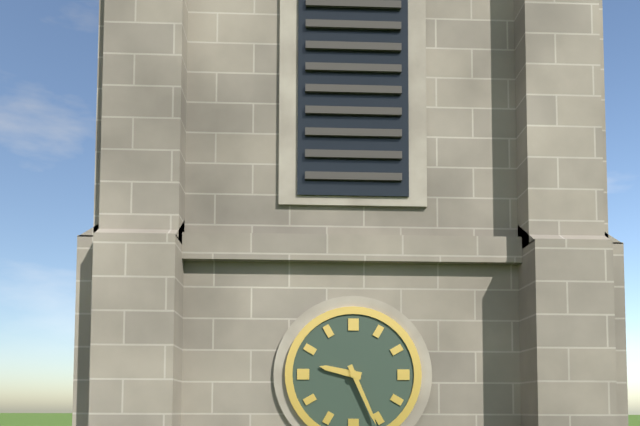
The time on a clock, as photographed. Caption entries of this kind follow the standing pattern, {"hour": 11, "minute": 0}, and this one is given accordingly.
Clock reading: {"hour": 9, "minute": 26}
